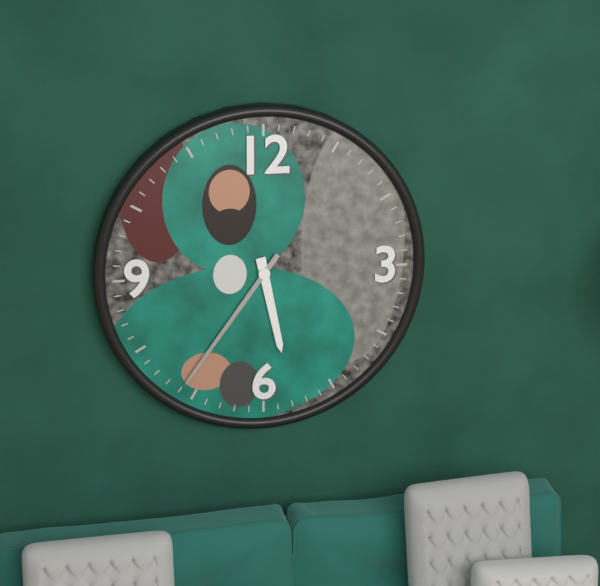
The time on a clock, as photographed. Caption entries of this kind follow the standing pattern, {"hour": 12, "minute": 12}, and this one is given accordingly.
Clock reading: {"hour": 5, "minute": 36}
